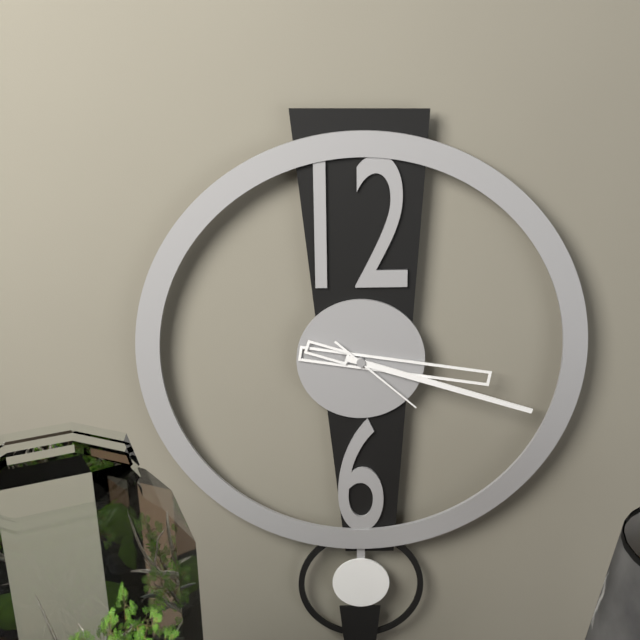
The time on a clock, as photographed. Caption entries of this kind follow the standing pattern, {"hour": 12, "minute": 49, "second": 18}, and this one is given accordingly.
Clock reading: {"hour": 3, "minute": 18, "second": 22}
